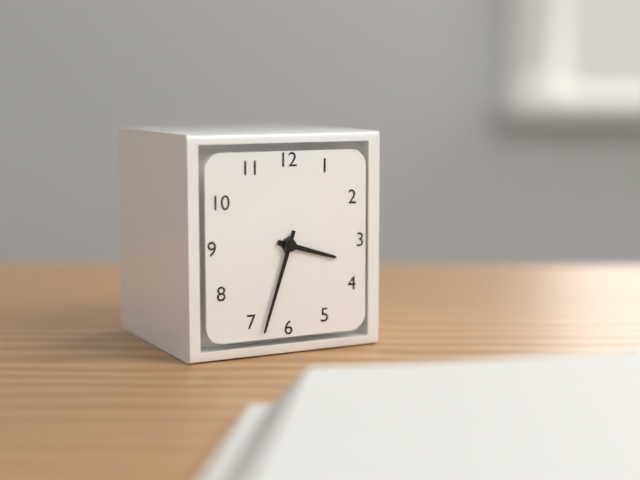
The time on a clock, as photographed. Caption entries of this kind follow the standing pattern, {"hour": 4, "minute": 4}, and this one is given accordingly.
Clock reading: {"hour": 3, "minute": 33}
